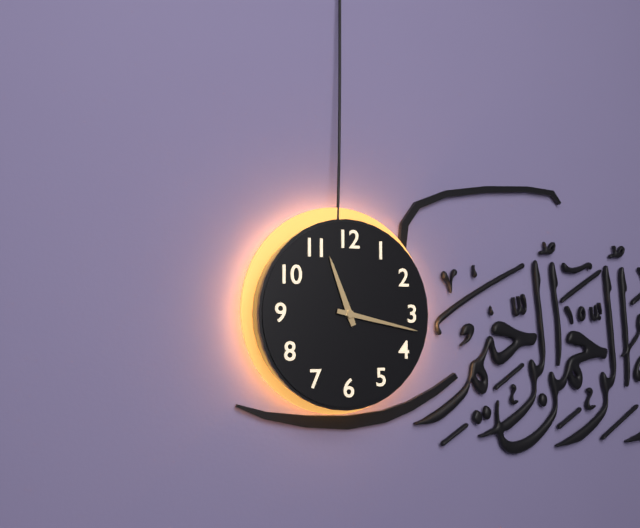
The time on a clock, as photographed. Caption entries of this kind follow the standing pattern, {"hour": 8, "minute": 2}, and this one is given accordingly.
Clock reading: {"hour": 11, "minute": 17}
